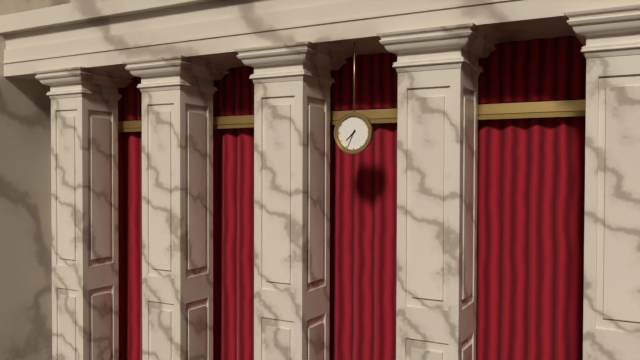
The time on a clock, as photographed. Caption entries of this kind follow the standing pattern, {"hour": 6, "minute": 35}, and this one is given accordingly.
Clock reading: {"hour": 7, "minute": 34}
